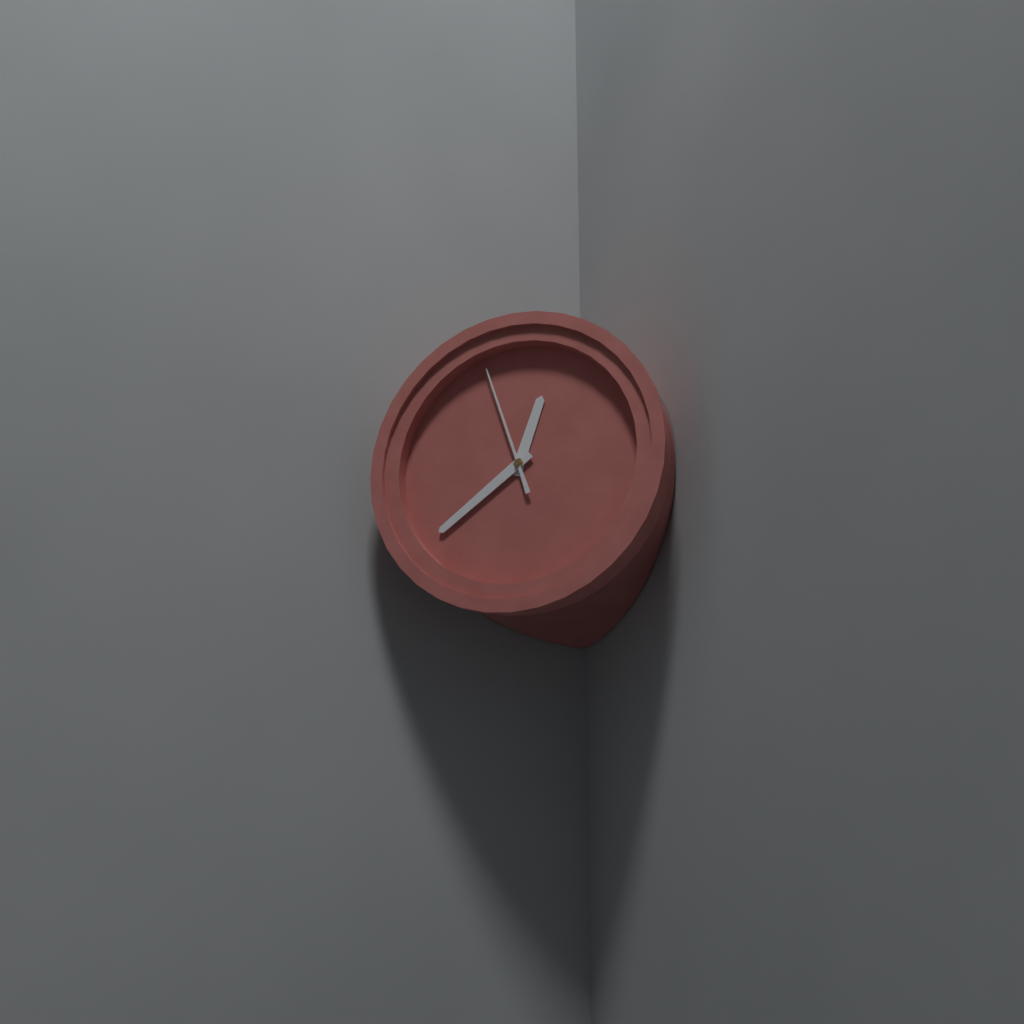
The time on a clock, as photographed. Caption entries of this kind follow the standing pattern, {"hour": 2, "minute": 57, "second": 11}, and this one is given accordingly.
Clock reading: {"hour": 12, "minute": 39, "second": 57}
